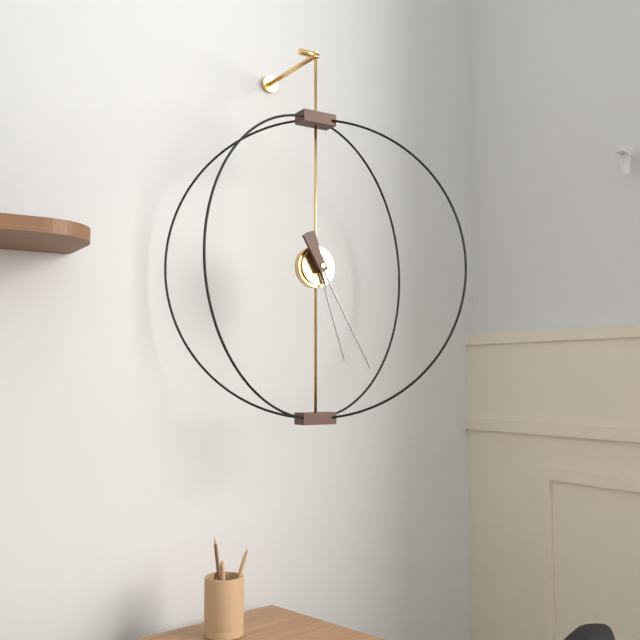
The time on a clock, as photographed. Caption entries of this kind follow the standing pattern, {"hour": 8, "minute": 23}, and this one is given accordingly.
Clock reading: {"hour": 5, "minute": 25}
